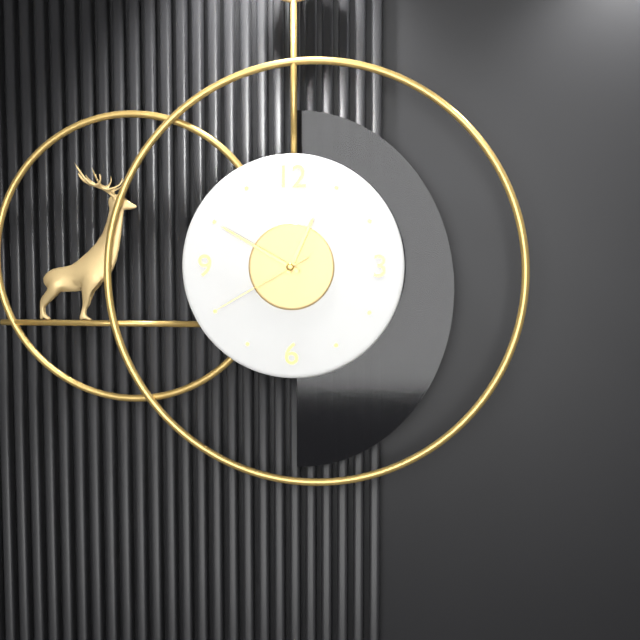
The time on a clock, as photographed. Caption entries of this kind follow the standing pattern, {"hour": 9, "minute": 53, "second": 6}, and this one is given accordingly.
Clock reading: {"hour": 12, "minute": 50, "second": 40}
